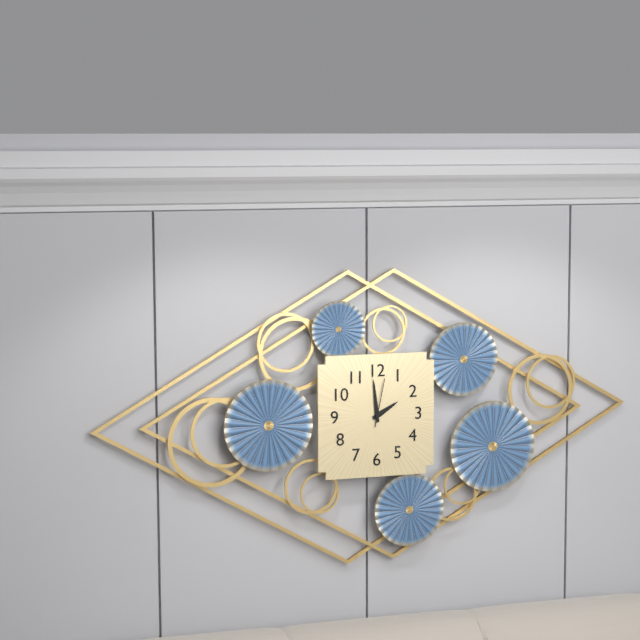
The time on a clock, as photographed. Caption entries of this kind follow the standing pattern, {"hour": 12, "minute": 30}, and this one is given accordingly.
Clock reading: {"hour": 1, "minute": 59}
